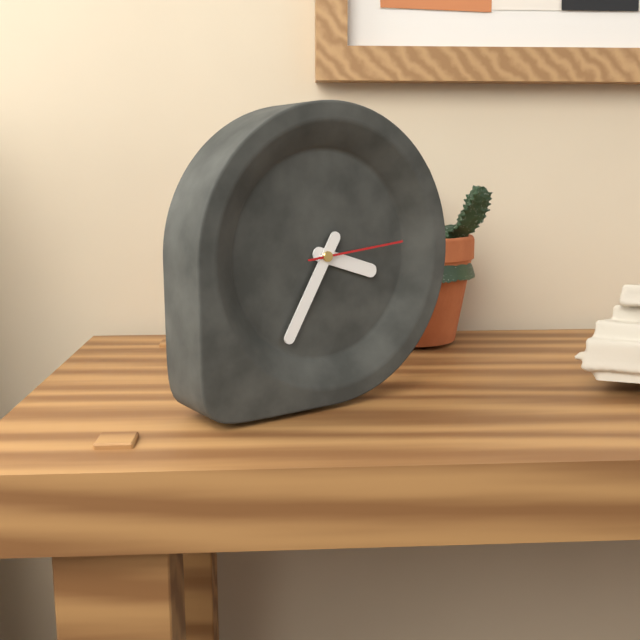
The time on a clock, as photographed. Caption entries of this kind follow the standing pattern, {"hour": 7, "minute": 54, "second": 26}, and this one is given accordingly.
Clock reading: {"hour": 3, "minute": 35, "second": 14}
